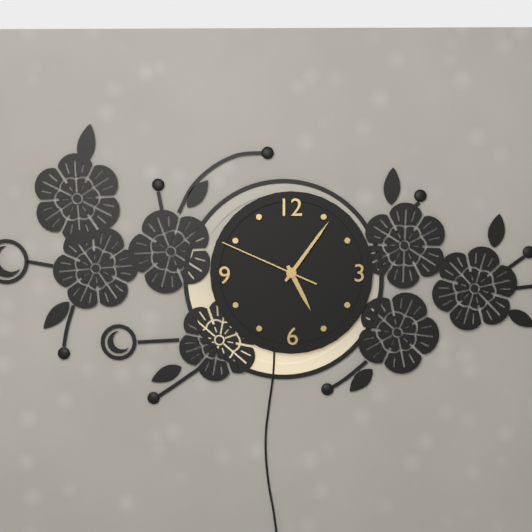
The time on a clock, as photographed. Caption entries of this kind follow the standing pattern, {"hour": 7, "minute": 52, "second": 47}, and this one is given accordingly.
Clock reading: {"hour": 5, "minute": 6, "second": 49}
